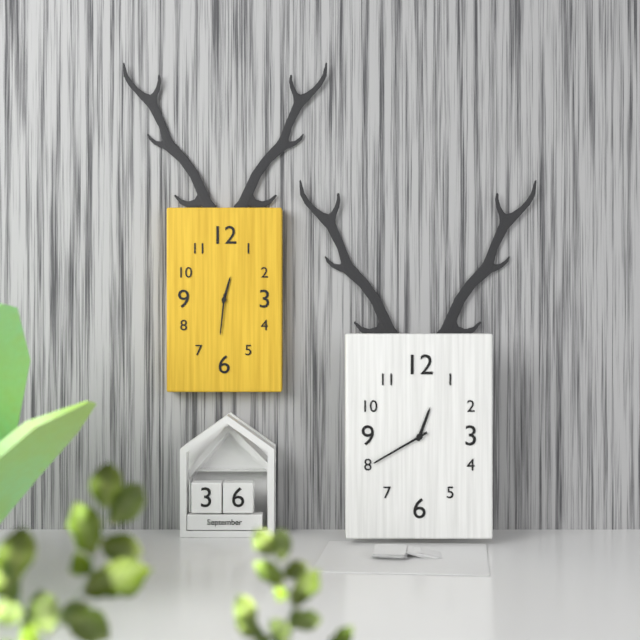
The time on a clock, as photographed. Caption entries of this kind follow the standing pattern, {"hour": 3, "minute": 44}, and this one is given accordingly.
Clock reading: {"hour": 12, "minute": 31}
